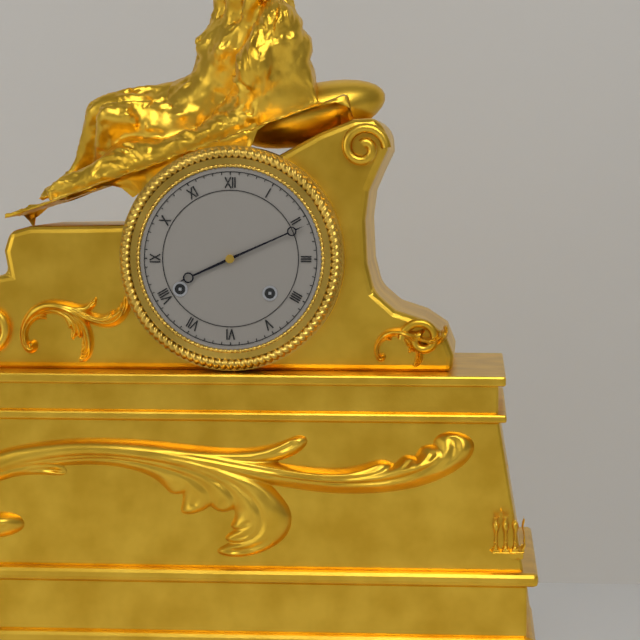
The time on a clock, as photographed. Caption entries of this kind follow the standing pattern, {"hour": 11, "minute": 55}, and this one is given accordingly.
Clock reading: {"hour": 8, "minute": 11}
